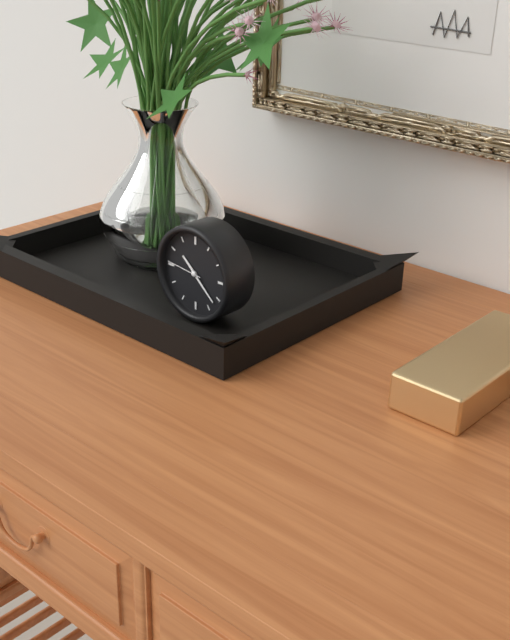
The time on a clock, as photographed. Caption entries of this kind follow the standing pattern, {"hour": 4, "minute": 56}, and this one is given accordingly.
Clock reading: {"hour": 10, "minute": 22}
